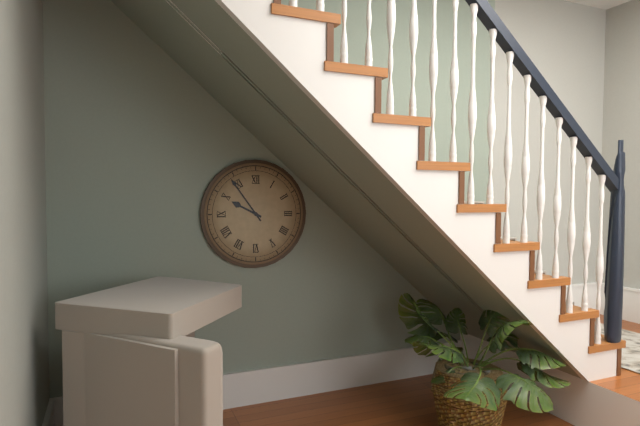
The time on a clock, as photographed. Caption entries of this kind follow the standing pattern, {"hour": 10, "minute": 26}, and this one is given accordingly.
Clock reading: {"hour": 9, "minute": 54}
